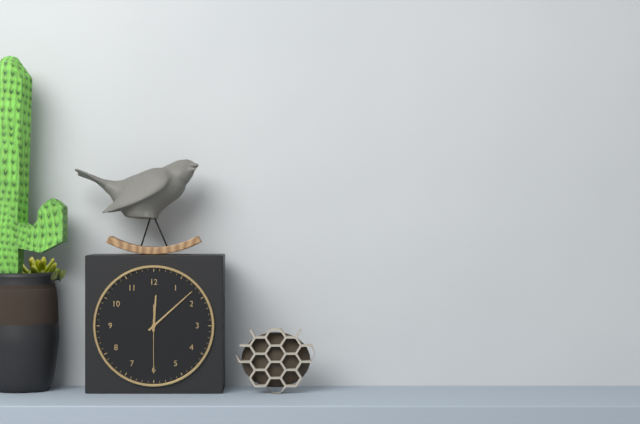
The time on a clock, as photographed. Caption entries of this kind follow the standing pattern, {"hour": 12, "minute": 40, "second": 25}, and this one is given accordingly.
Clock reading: {"hour": 12, "minute": 8, "second": 30}
